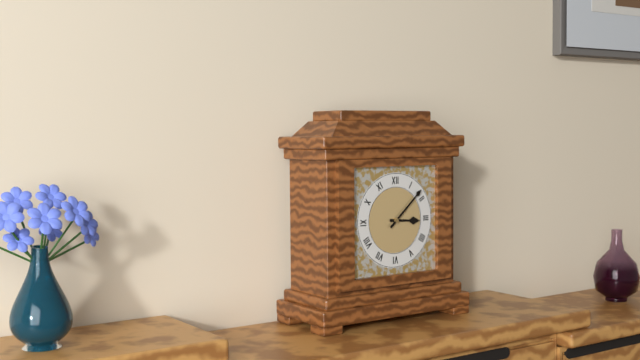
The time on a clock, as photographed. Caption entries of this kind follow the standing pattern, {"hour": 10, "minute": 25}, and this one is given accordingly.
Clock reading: {"hour": 3, "minute": 8}
